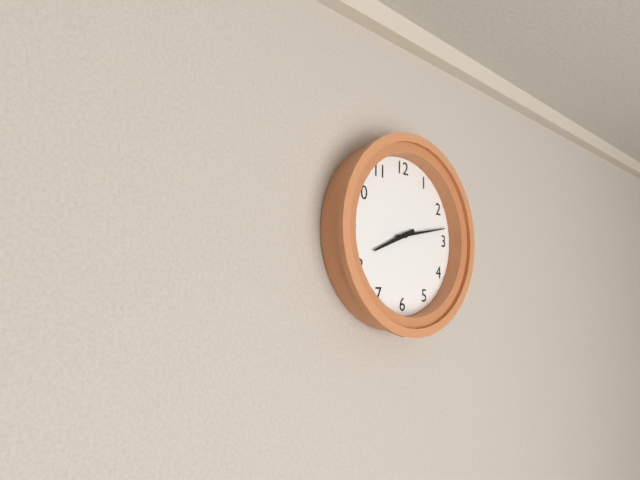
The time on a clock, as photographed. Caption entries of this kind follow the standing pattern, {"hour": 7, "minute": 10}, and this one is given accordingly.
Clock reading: {"hour": 8, "minute": 13}
